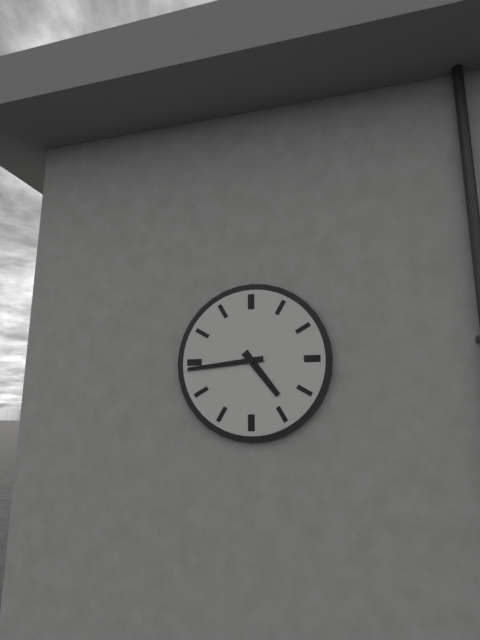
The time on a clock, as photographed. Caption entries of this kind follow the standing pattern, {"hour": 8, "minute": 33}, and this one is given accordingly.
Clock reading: {"hour": 4, "minute": 44}
